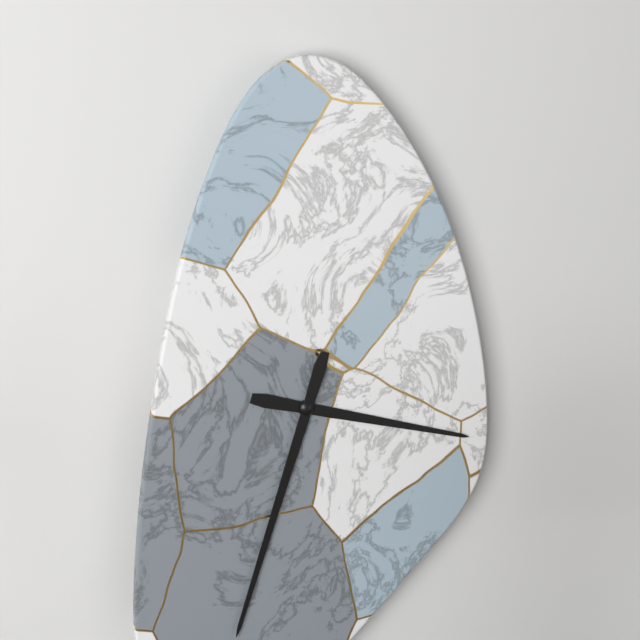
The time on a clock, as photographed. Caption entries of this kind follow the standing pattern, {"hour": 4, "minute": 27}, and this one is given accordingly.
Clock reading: {"hour": 3, "minute": 33}
